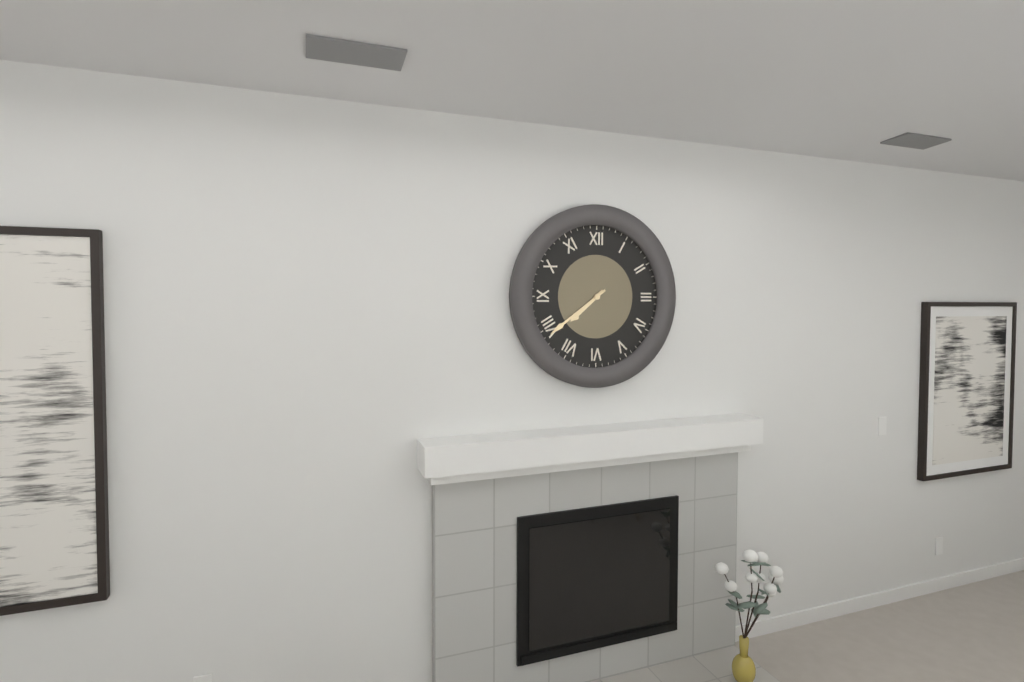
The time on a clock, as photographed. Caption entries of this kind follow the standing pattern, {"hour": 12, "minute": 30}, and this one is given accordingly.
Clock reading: {"hour": 7, "minute": 39}
